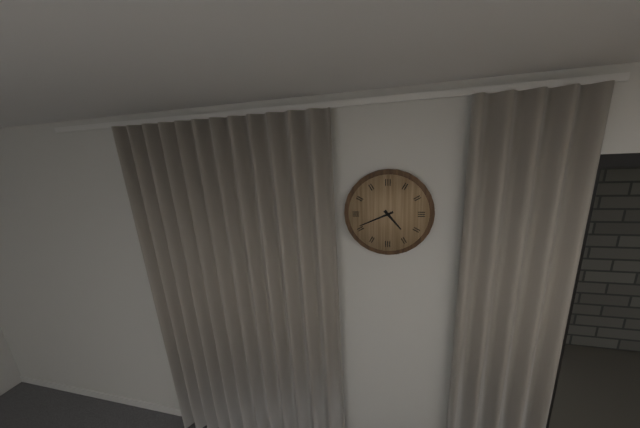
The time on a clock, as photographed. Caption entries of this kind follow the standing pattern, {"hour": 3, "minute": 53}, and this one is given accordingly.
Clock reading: {"hour": 4, "minute": 41}
